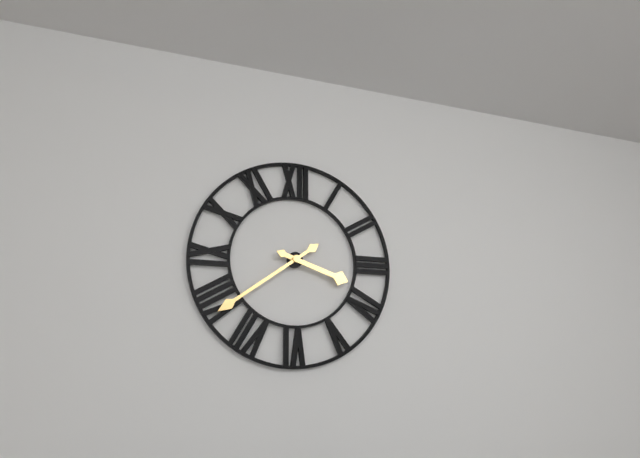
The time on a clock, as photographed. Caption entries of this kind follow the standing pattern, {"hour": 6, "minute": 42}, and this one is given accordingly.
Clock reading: {"hour": 3, "minute": 39}
